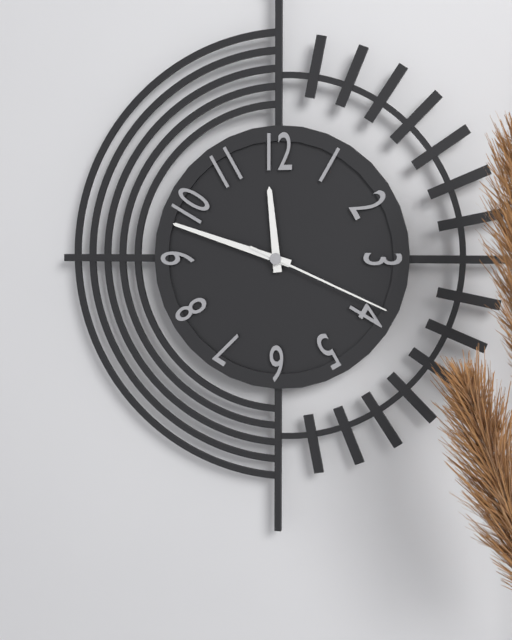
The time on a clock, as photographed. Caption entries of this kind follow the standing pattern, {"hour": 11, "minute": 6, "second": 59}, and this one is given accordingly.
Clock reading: {"hour": 11, "minute": 48, "second": 19}
